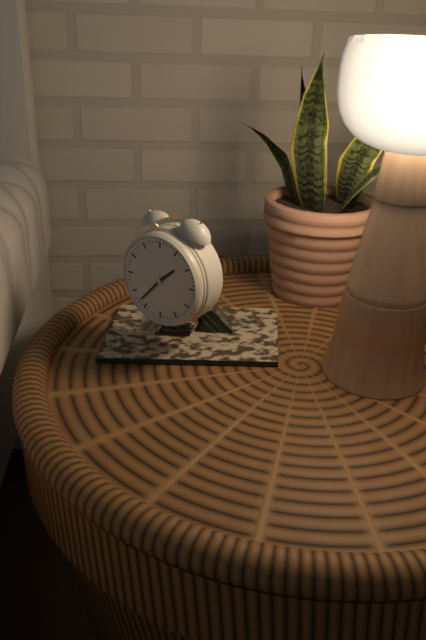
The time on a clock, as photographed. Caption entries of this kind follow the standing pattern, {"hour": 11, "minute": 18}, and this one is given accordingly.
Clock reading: {"hour": 1, "minute": 37}
